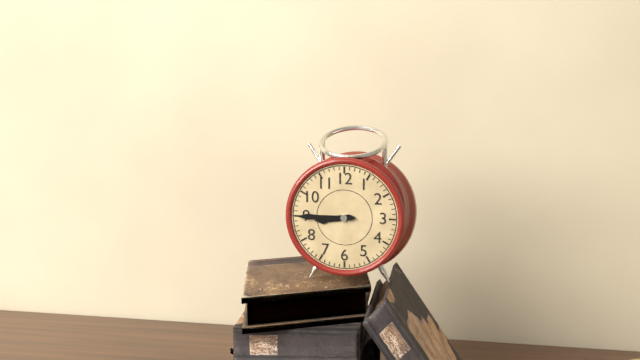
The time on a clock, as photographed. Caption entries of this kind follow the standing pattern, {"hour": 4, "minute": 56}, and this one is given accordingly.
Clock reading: {"hour": 8, "minute": 45}
